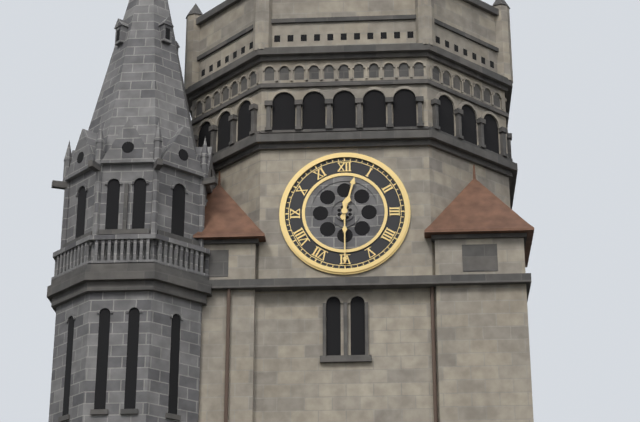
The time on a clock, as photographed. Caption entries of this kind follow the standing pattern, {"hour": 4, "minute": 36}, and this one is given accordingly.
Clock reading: {"hour": 12, "minute": 30}
